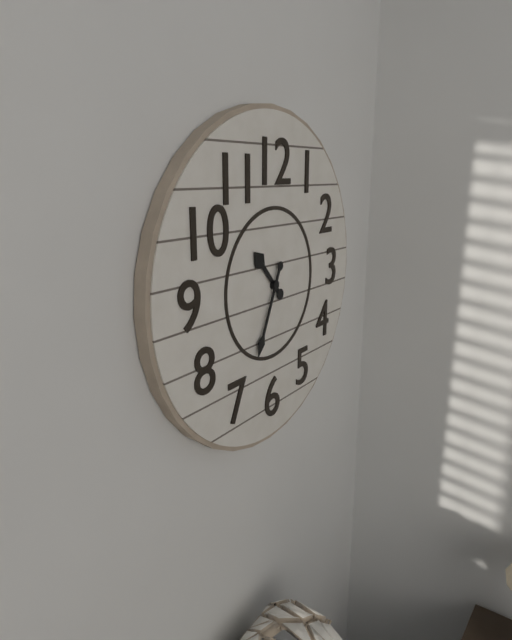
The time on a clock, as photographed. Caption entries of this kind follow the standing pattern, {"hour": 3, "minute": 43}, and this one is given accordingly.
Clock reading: {"hour": 10, "minute": 34}
